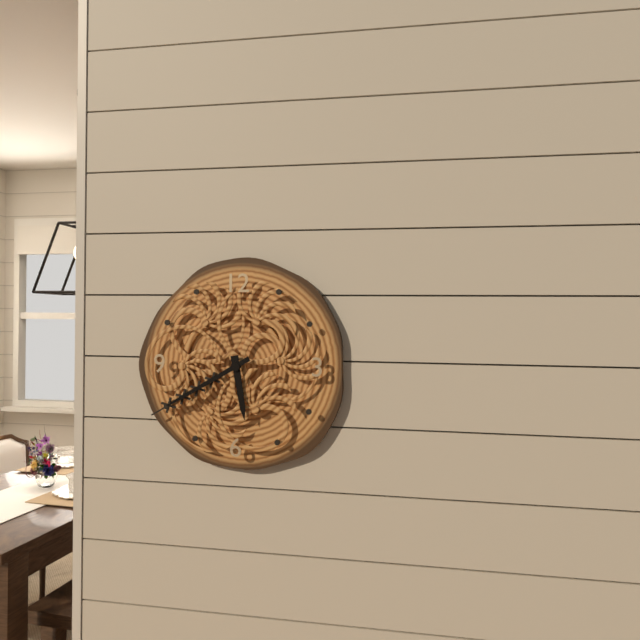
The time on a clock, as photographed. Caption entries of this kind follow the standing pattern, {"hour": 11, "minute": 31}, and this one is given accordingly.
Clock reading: {"hour": 5, "minute": 40}
